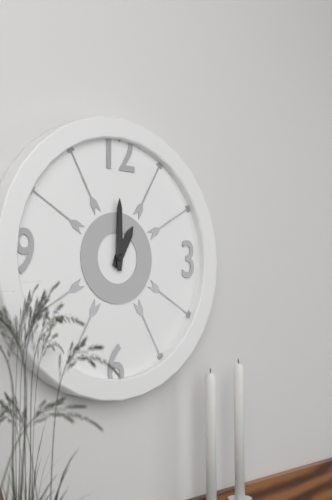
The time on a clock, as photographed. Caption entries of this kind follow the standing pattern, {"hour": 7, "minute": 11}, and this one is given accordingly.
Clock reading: {"hour": 1, "minute": 0}
